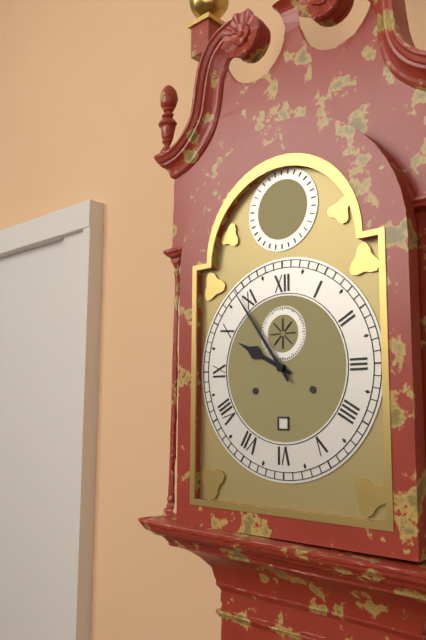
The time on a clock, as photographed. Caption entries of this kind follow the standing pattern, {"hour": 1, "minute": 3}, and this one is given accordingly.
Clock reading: {"hour": 9, "minute": 54}
